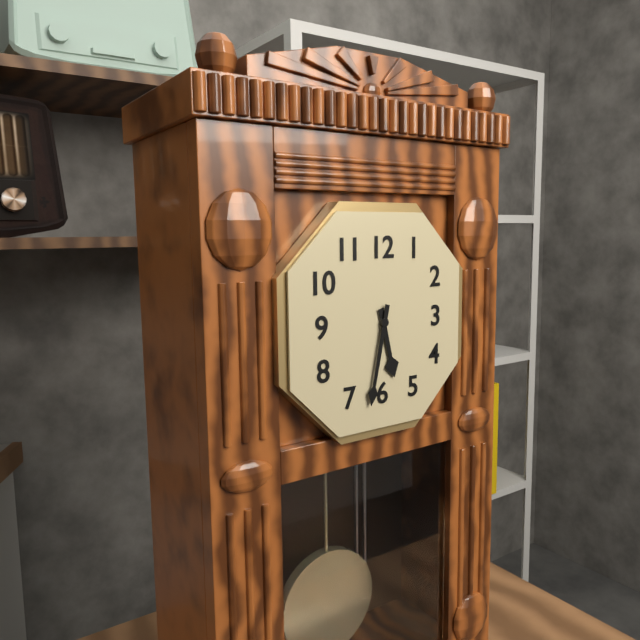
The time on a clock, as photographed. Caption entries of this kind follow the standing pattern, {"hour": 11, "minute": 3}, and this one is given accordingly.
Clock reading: {"hour": 5, "minute": 32}
